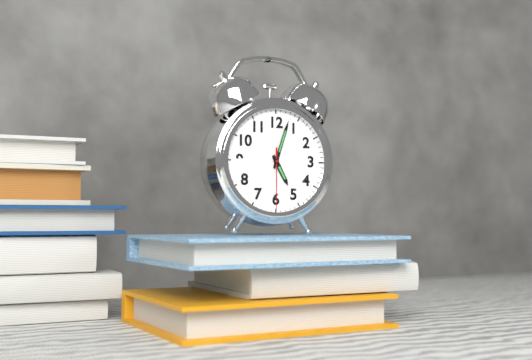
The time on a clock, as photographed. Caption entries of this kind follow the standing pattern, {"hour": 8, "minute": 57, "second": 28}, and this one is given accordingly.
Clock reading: {"hour": 5, "minute": 3, "second": 30}
